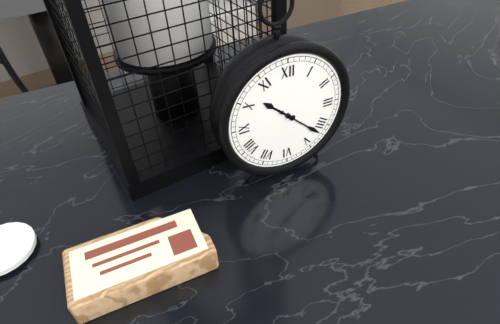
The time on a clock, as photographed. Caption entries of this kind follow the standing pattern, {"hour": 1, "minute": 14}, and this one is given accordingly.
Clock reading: {"hour": 10, "minute": 22}
